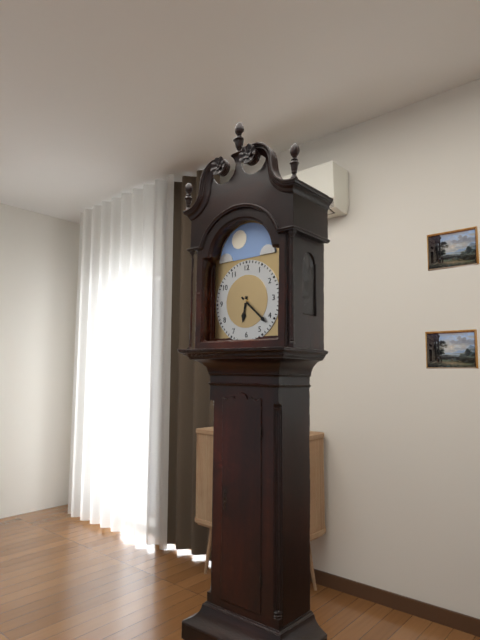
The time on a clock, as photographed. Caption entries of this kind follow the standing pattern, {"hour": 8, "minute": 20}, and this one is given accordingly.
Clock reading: {"hour": 6, "minute": 22}
